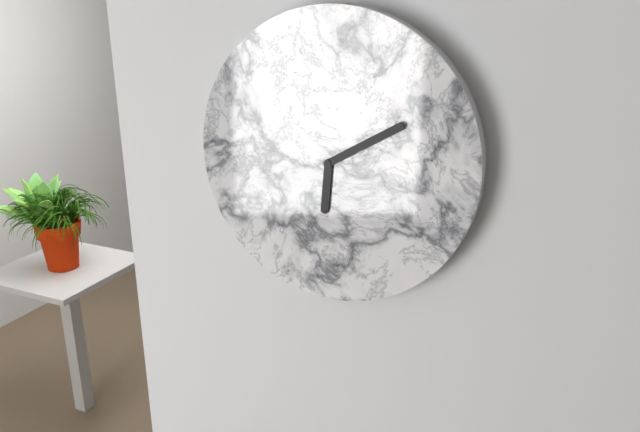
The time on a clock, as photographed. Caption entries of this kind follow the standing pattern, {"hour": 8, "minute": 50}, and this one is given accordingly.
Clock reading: {"hour": 6, "minute": 10}
